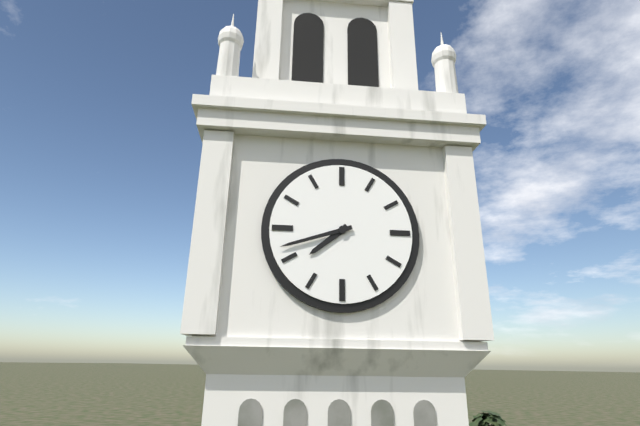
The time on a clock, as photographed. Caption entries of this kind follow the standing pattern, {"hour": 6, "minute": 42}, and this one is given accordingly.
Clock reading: {"hour": 7, "minute": 42}
